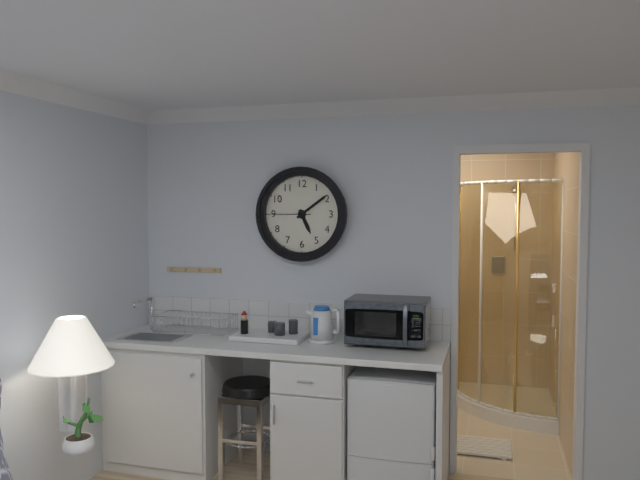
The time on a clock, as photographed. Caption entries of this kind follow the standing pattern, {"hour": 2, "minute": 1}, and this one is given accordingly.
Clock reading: {"hour": 5, "minute": 9}
